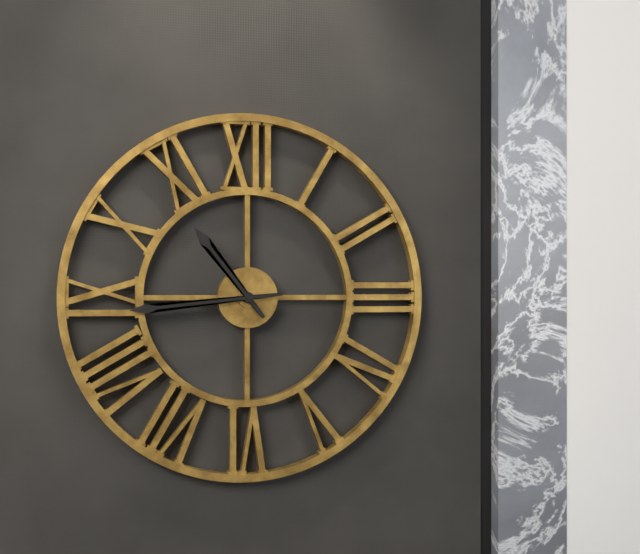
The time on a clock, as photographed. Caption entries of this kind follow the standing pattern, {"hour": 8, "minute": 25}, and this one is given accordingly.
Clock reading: {"hour": 10, "minute": 44}
